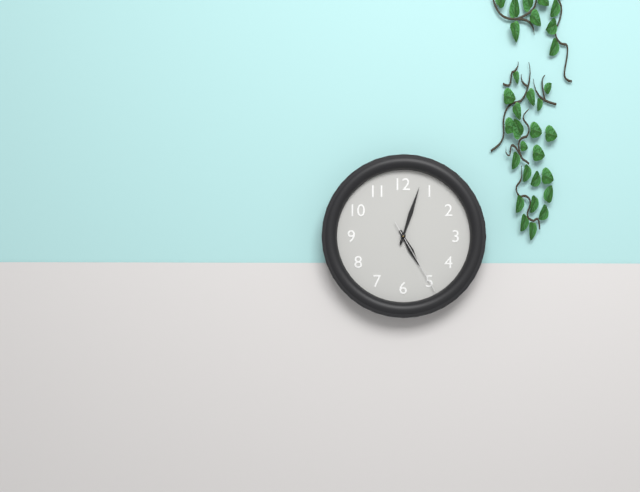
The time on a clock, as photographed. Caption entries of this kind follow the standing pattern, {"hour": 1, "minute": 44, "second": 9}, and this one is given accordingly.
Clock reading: {"hour": 5, "minute": 3, "second": 25}
